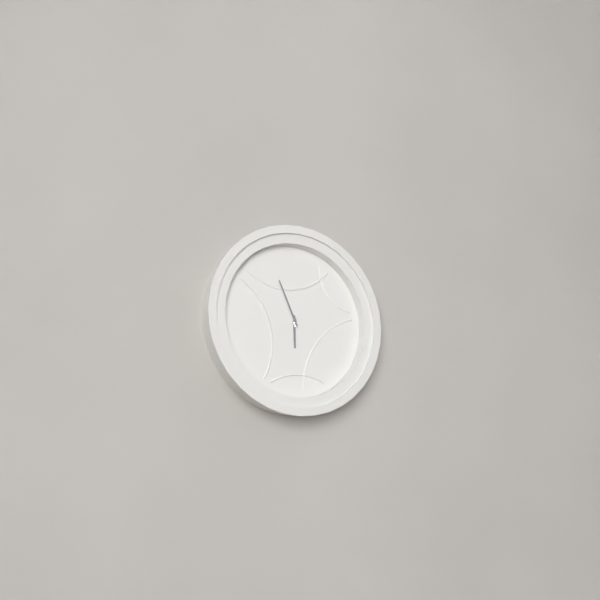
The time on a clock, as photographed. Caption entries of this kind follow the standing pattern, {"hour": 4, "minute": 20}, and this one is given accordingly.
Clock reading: {"hour": 5, "minute": 56}
